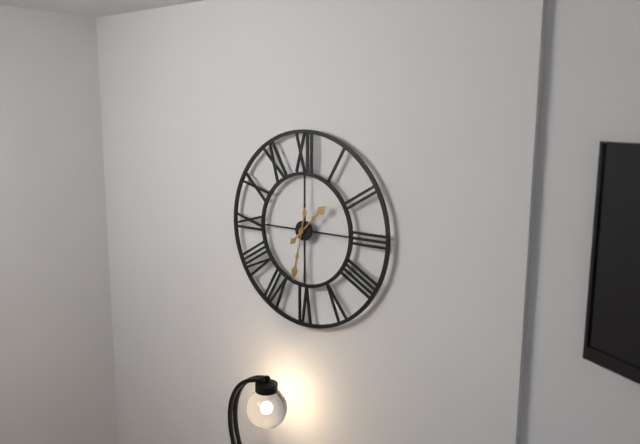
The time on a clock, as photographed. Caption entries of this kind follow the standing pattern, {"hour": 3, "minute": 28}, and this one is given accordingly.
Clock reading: {"hour": 1, "minute": 32}
